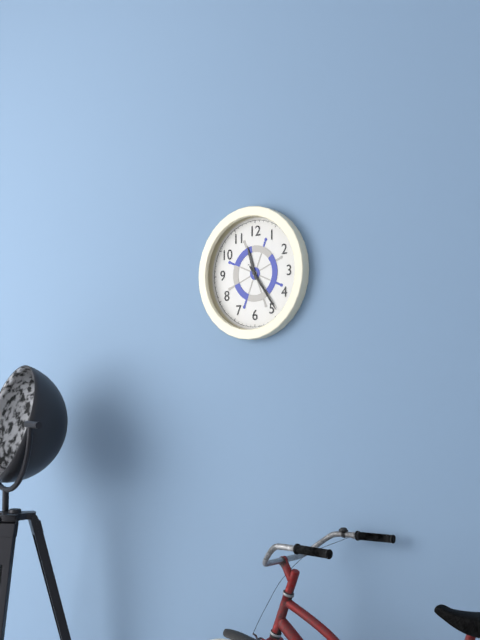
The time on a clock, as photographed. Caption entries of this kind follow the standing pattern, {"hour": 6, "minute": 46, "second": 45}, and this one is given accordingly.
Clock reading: {"hour": 11, "minute": 24, "second": 24}
